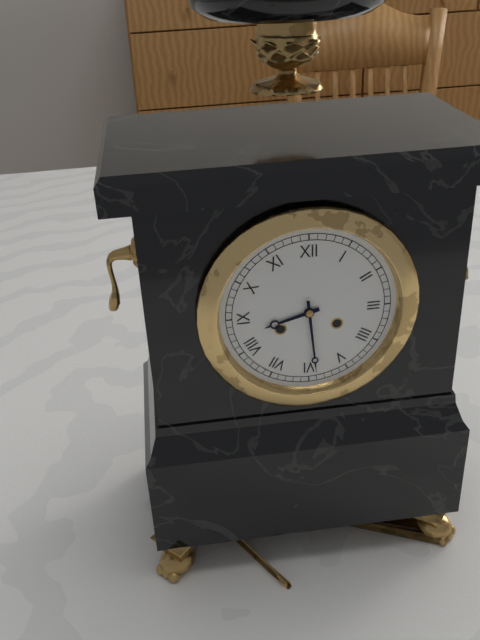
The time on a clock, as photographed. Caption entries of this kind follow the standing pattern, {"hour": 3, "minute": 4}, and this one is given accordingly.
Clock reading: {"hour": 8, "minute": 29}
